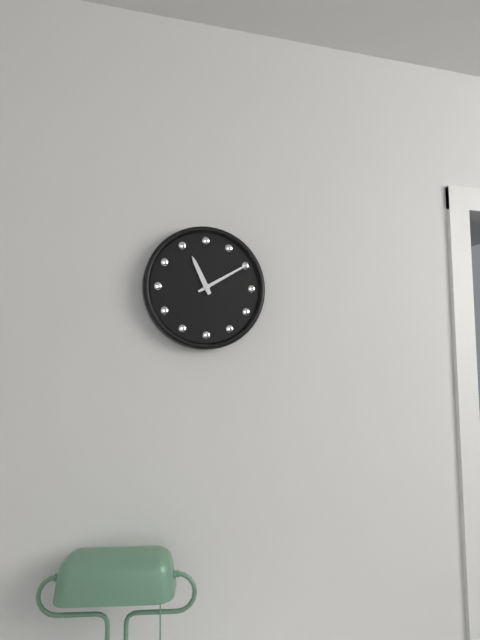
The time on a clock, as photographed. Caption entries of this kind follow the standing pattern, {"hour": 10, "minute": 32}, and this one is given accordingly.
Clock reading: {"hour": 11, "minute": 10}
